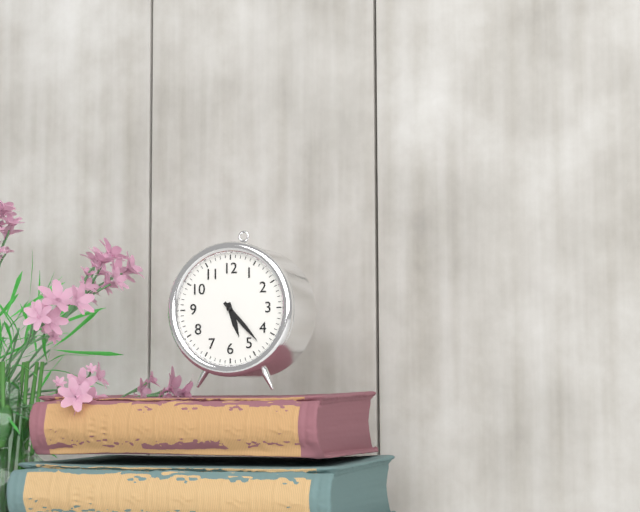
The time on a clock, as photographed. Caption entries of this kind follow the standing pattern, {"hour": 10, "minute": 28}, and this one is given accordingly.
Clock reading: {"hour": 5, "minute": 23}
